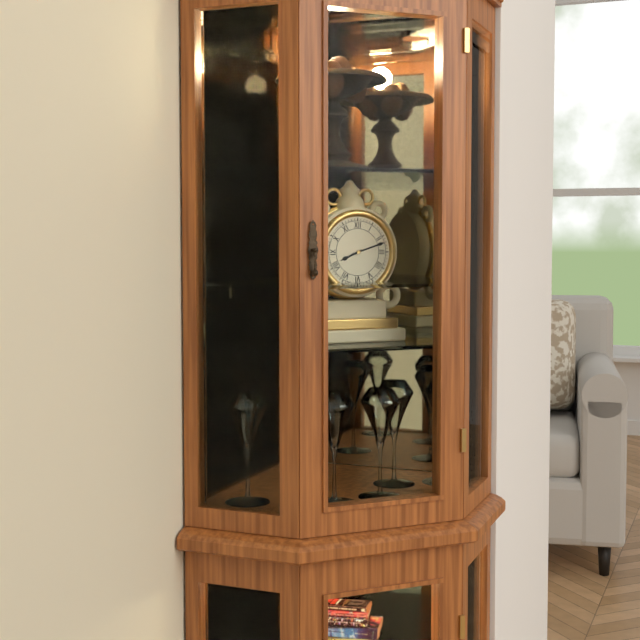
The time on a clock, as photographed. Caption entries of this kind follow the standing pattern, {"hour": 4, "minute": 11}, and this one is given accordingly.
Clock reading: {"hour": 8, "minute": 12}
